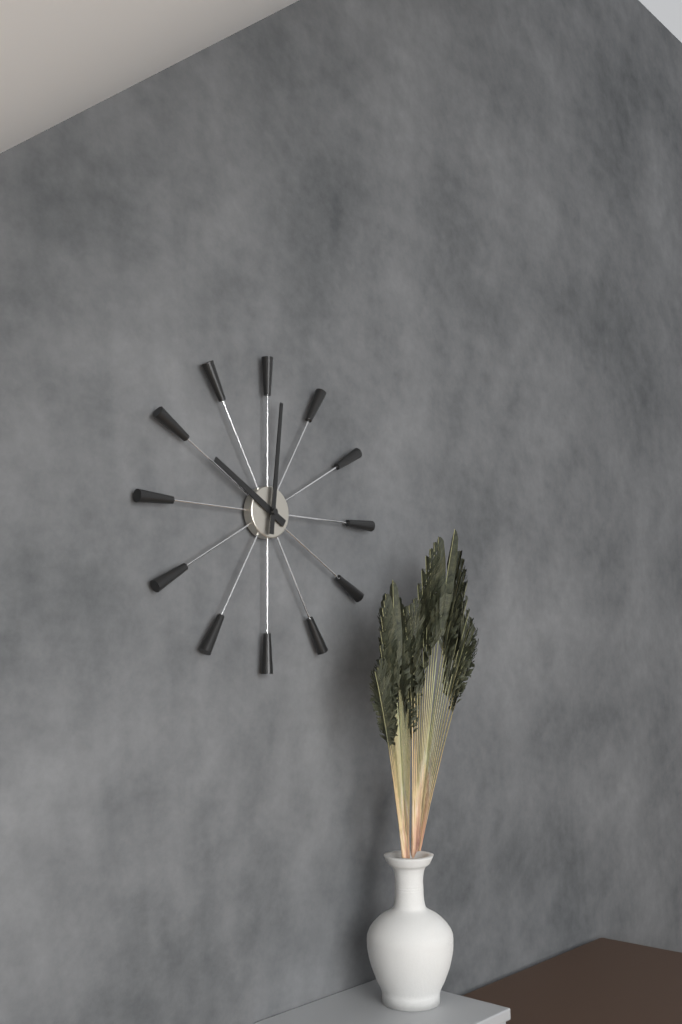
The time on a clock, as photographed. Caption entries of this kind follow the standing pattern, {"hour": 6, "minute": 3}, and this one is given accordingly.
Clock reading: {"hour": 10, "minute": 1}
